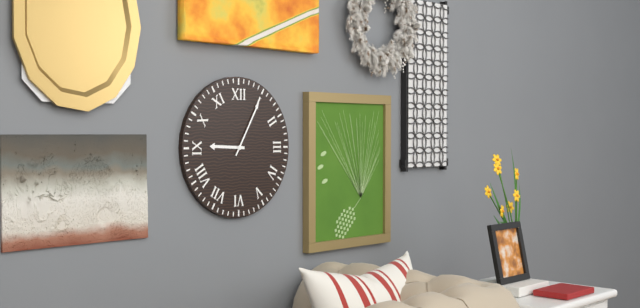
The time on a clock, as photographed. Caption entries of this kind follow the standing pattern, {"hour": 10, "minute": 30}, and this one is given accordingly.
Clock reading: {"hour": 9, "minute": 5}
